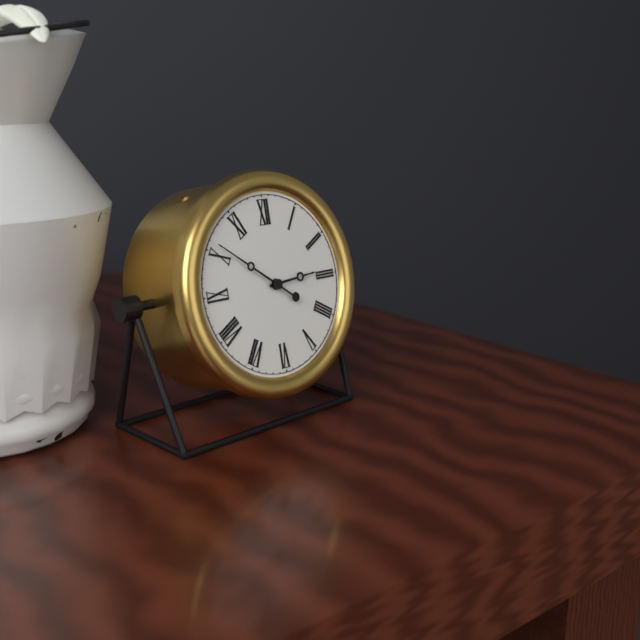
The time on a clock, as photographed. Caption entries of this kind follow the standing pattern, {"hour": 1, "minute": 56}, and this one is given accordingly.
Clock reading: {"hour": 2, "minute": 51}
